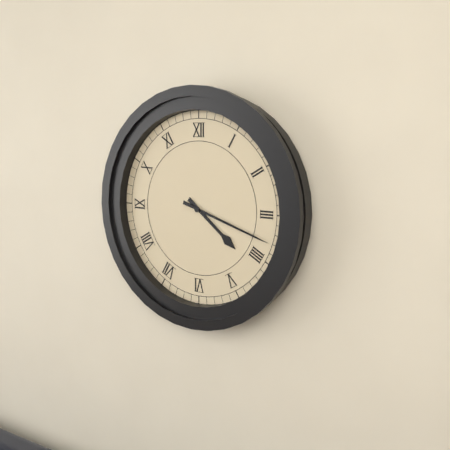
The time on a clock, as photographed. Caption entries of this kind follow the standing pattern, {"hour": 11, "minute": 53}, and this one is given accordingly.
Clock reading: {"hour": 4, "minute": 18}
